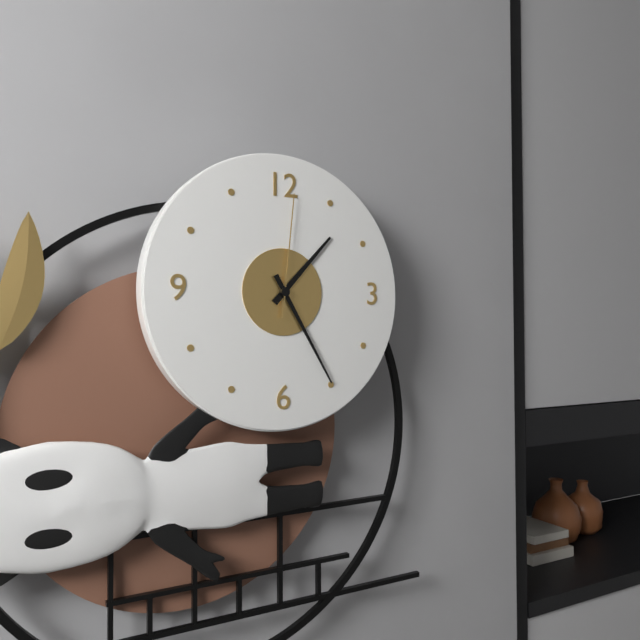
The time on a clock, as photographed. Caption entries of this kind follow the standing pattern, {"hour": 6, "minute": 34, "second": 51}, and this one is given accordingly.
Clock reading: {"hour": 1, "minute": 25, "second": 1}
